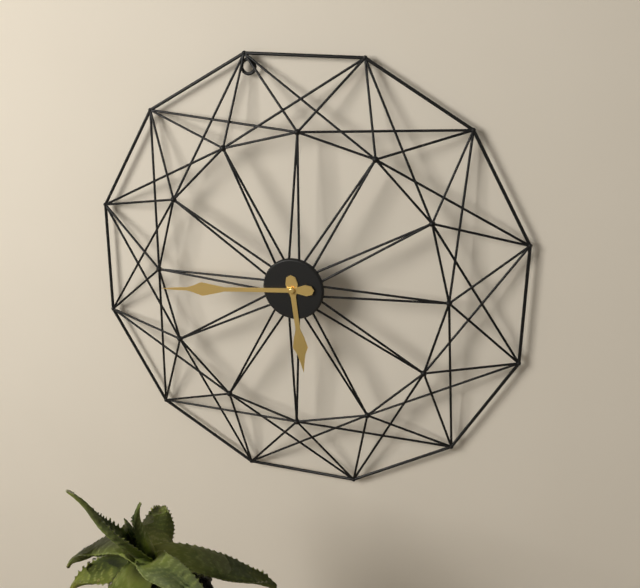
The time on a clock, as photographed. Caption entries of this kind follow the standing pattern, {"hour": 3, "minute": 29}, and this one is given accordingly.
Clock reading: {"hour": 5, "minute": 44}
